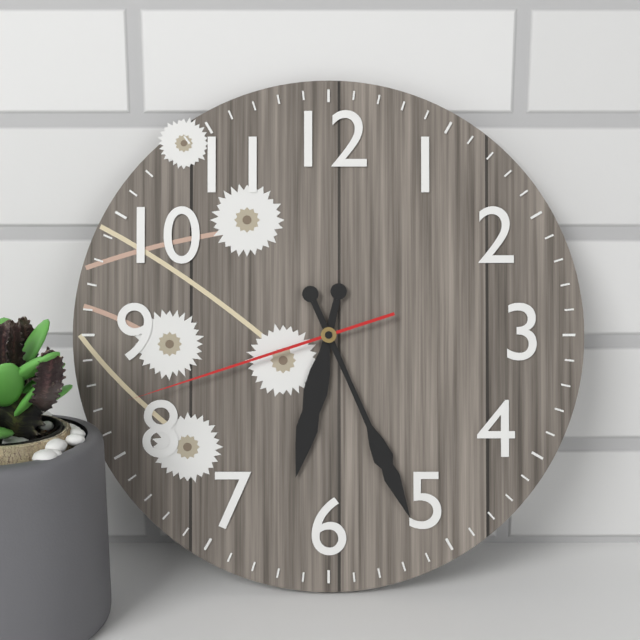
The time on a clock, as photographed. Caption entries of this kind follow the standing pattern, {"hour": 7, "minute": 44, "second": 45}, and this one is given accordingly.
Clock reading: {"hour": 6, "minute": 26, "second": 42}
